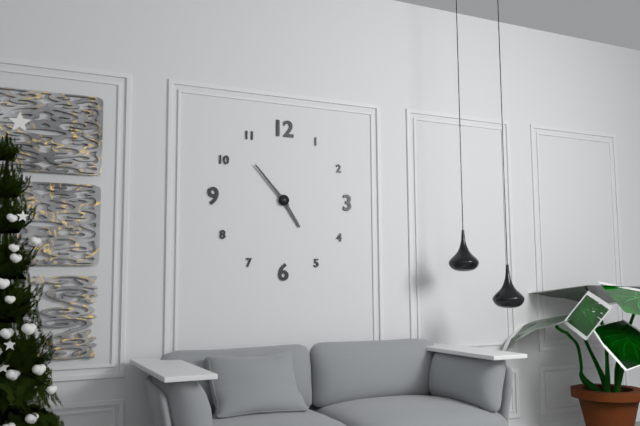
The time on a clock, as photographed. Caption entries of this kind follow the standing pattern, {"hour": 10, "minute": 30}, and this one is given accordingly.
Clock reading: {"hour": 4, "minute": 53}
